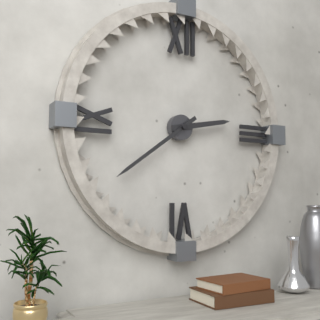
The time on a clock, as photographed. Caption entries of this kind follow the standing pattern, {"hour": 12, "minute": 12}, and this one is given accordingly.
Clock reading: {"hour": 2, "minute": 39}
